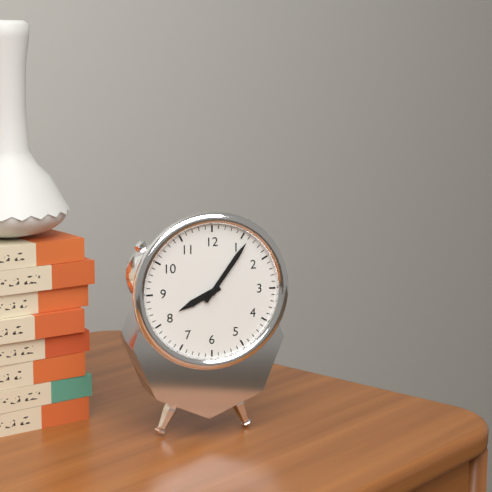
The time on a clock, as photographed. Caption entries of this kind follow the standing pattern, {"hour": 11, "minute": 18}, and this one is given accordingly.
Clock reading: {"hour": 8, "minute": 6}
